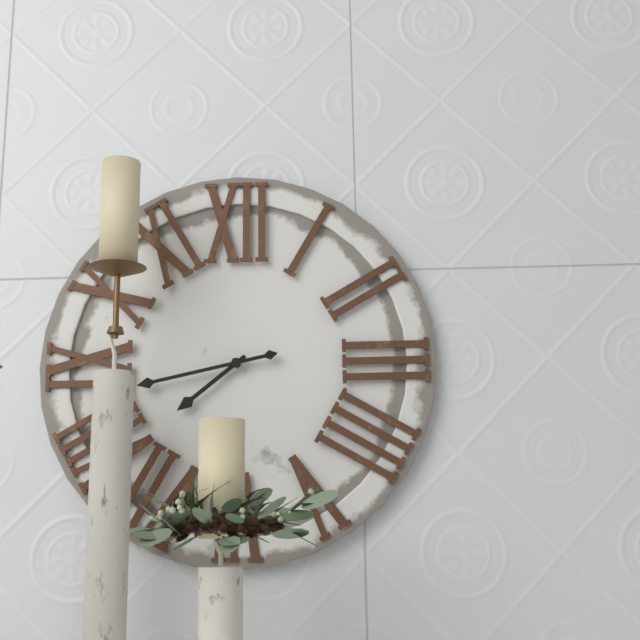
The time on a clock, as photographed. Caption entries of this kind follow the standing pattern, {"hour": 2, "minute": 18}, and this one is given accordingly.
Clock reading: {"hour": 7, "minute": 43}
